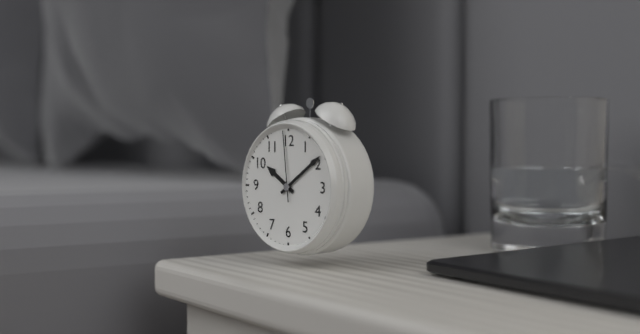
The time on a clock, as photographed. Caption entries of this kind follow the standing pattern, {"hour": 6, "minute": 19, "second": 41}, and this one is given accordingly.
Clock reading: {"hour": 10, "minute": 9, "second": 59}
